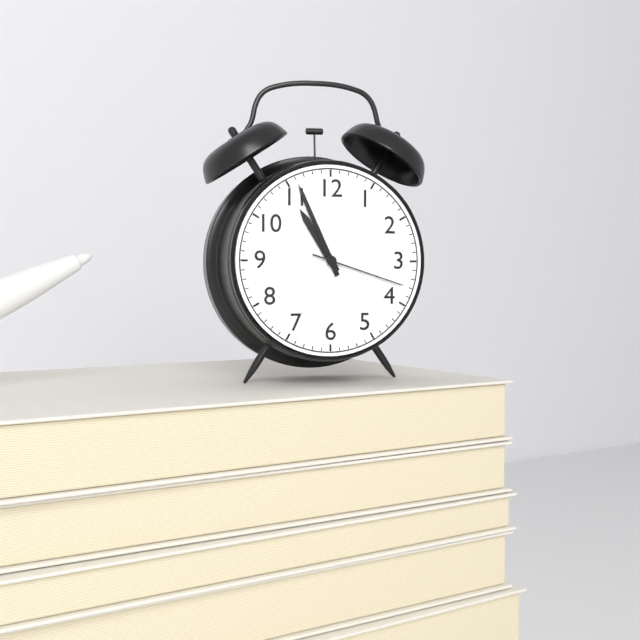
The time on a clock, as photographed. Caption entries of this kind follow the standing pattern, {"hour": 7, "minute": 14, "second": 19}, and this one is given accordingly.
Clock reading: {"hour": 10, "minute": 56, "second": 18}
